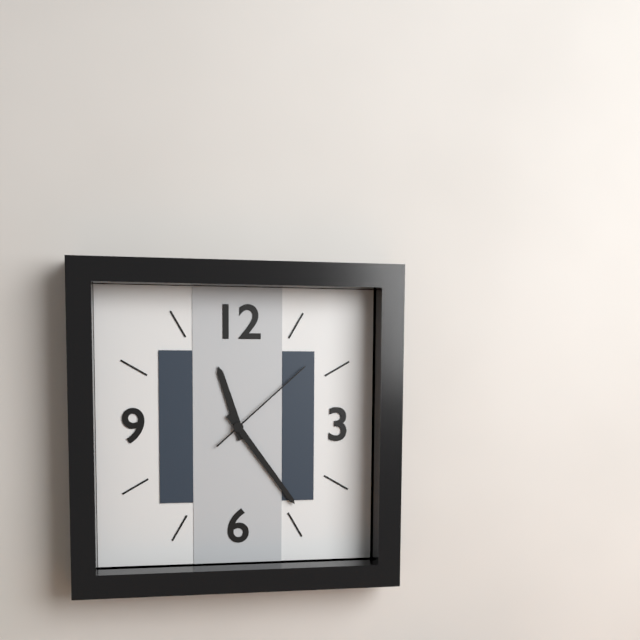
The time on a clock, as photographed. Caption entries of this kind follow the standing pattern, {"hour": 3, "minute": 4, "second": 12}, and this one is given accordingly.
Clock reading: {"hour": 11, "minute": 24, "second": 8}
